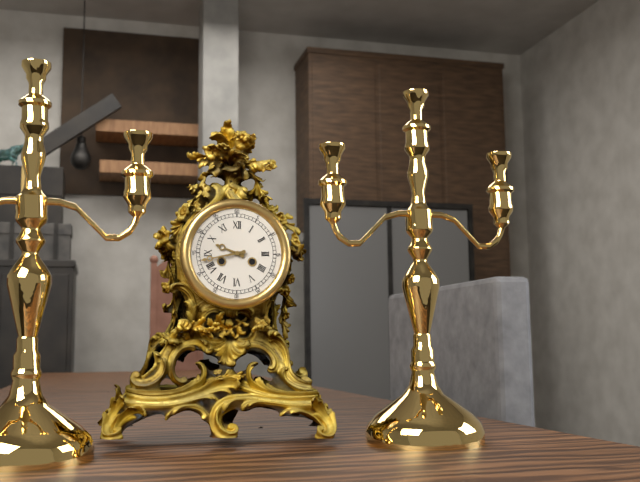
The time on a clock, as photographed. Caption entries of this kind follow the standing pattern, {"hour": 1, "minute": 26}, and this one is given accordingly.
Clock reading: {"hour": 9, "minute": 43}
